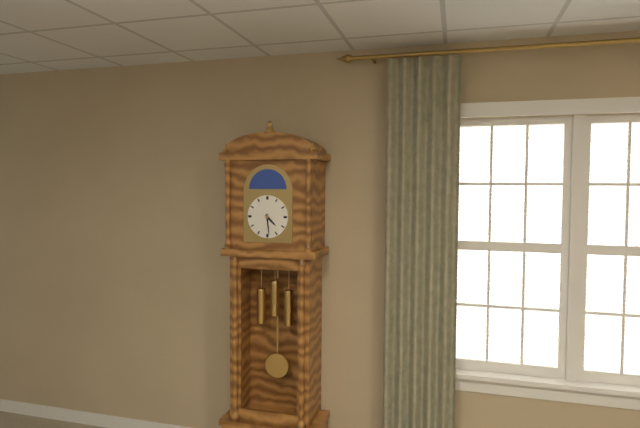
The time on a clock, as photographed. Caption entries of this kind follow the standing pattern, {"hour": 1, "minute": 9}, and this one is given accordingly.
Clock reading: {"hour": 4, "minute": 29}
